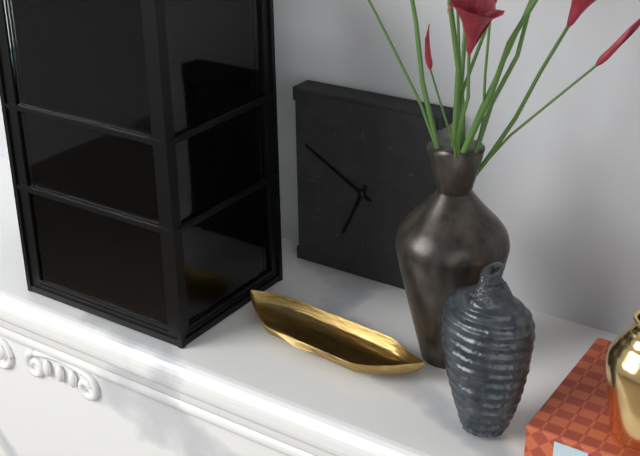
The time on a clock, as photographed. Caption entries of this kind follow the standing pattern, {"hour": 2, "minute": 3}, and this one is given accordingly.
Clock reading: {"hour": 6, "minute": 50}
